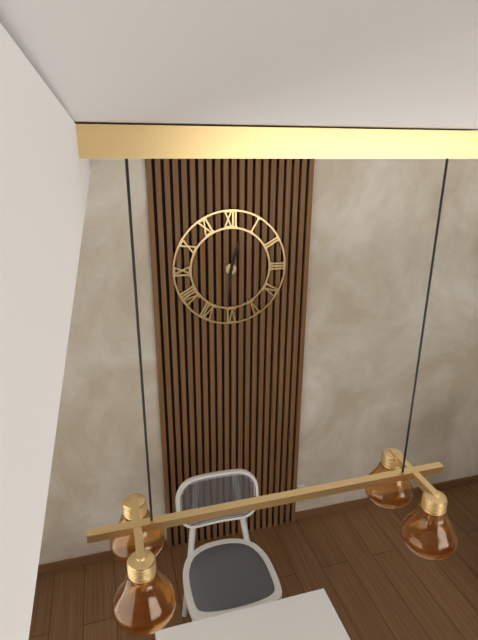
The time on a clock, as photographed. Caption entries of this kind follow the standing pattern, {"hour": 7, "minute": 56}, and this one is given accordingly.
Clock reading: {"hour": 12, "minute": 31}
